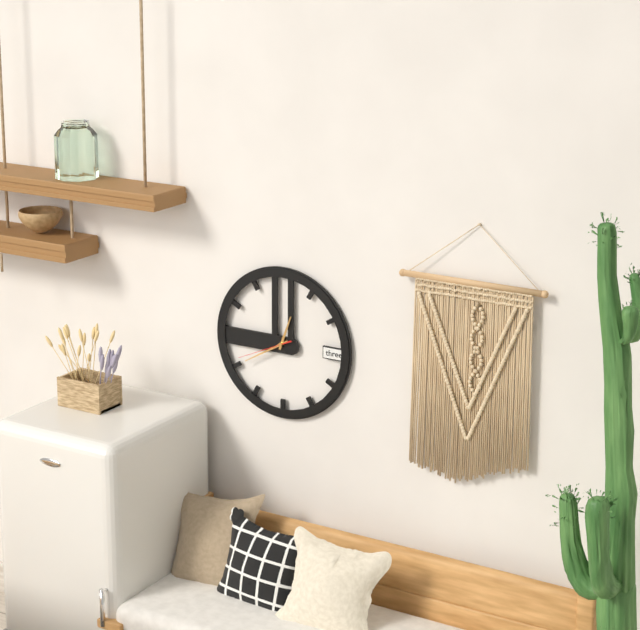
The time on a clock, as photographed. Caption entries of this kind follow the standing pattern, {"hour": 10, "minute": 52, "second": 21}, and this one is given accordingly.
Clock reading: {"hour": 12, "minute": 40, "second": 41}
